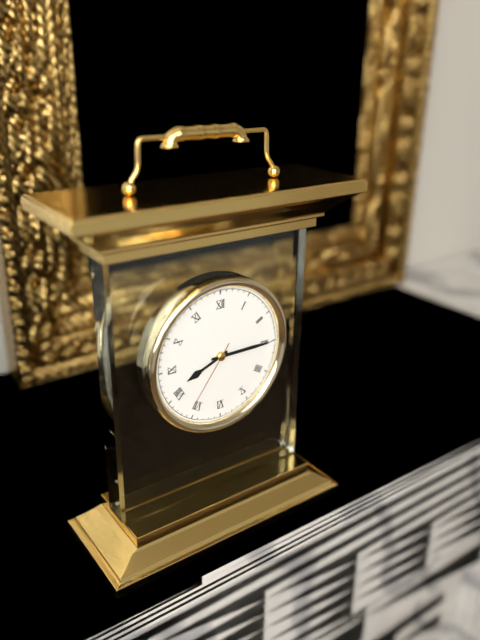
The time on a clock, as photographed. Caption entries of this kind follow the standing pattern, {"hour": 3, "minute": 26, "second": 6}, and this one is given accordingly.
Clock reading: {"hour": 8, "minute": 15, "second": 36}
